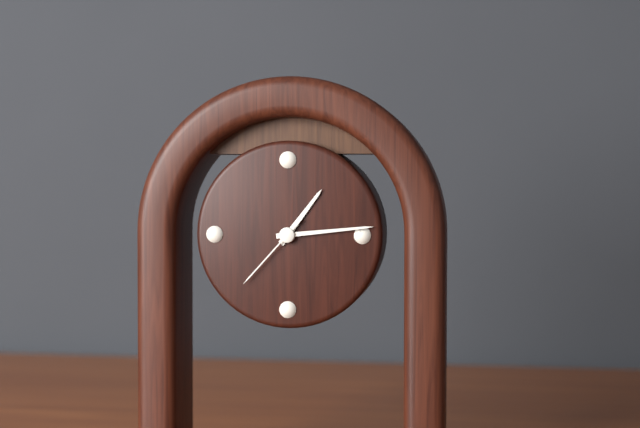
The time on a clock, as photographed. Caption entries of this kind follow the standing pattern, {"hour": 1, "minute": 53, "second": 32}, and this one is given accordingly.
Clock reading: {"hour": 1, "minute": 14, "second": 37}
